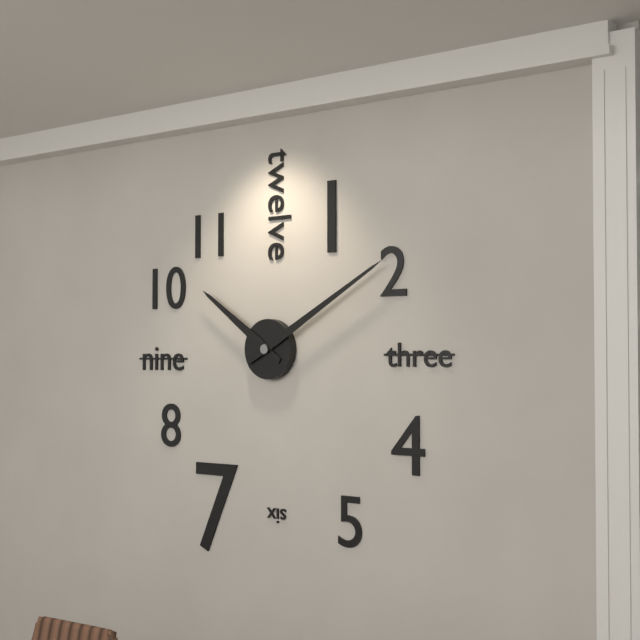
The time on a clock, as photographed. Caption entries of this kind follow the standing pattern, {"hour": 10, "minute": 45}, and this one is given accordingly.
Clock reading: {"hour": 10, "minute": 10}
